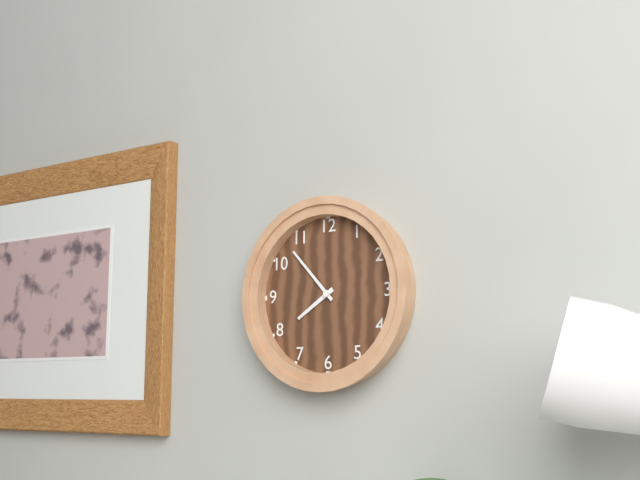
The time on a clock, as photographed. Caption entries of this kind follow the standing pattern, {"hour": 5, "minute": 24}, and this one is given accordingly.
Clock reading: {"hour": 7, "minute": 53}
